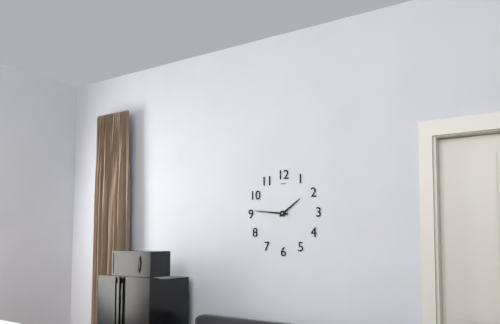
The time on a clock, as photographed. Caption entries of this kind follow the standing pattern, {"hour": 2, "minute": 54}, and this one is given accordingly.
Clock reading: {"hour": 1, "minute": 46}
